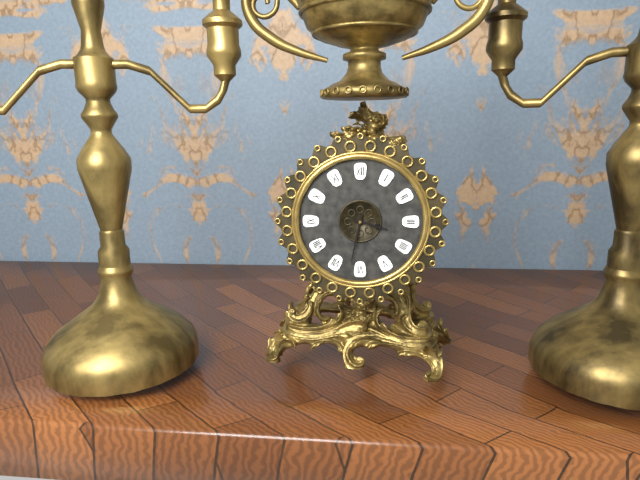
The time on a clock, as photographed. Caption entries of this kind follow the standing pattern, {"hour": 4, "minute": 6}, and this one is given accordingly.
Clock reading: {"hour": 3, "minute": 32}
